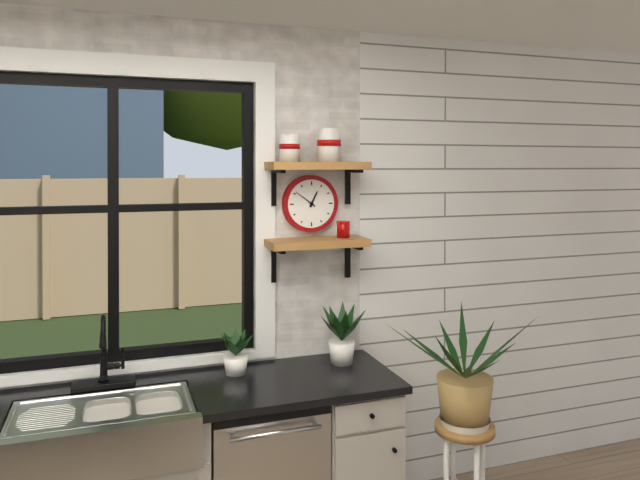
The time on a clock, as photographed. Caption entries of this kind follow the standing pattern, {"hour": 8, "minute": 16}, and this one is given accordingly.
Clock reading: {"hour": 12, "minute": 51}
